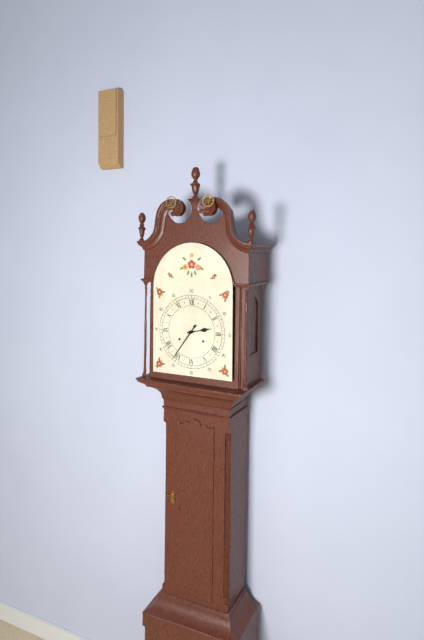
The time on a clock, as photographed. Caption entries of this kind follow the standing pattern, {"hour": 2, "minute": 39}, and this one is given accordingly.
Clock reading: {"hour": 2, "minute": 36}
